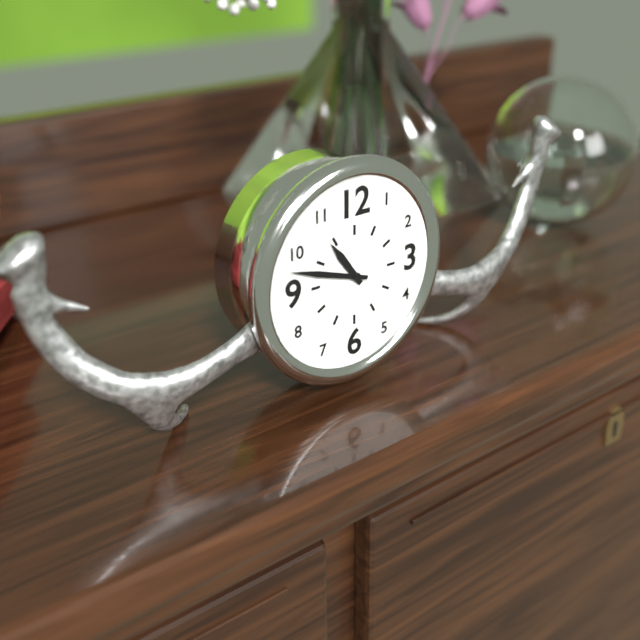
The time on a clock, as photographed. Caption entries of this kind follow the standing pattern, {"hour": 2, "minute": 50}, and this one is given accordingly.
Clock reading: {"hour": 10, "minute": 48}
